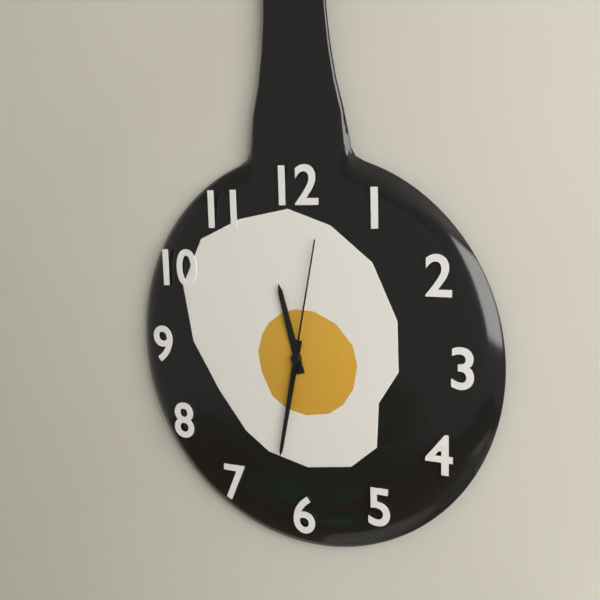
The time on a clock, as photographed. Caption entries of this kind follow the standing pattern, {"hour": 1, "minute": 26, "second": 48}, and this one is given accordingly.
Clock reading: {"hour": 11, "minute": 32, "second": 2}
